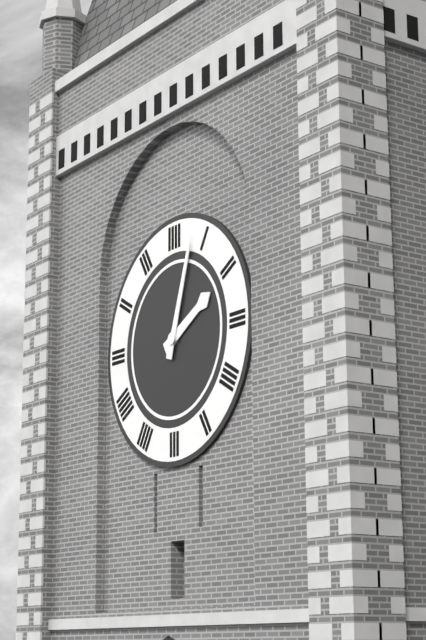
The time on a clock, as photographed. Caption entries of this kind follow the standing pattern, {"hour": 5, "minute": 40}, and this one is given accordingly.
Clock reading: {"hour": 2, "minute": 3}
